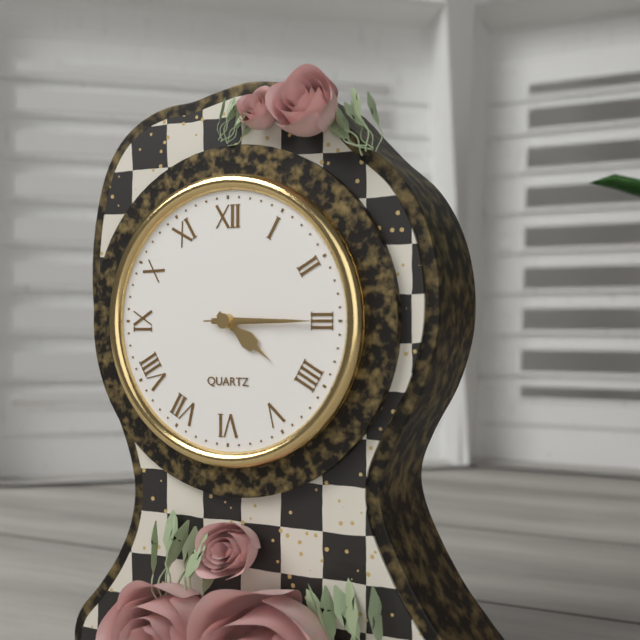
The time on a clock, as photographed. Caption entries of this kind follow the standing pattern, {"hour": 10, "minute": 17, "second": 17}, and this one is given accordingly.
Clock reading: {"hour": 4, "minute": 15, "second": 15}
